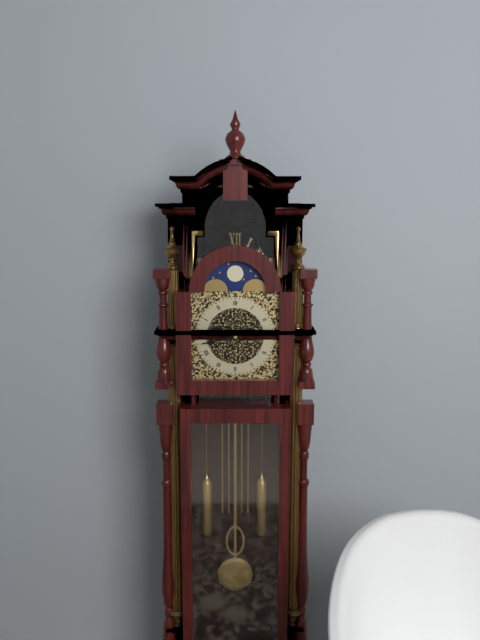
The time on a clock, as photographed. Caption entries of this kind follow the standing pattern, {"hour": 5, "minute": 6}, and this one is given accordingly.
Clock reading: {"hour": 9, "minute": 43}
